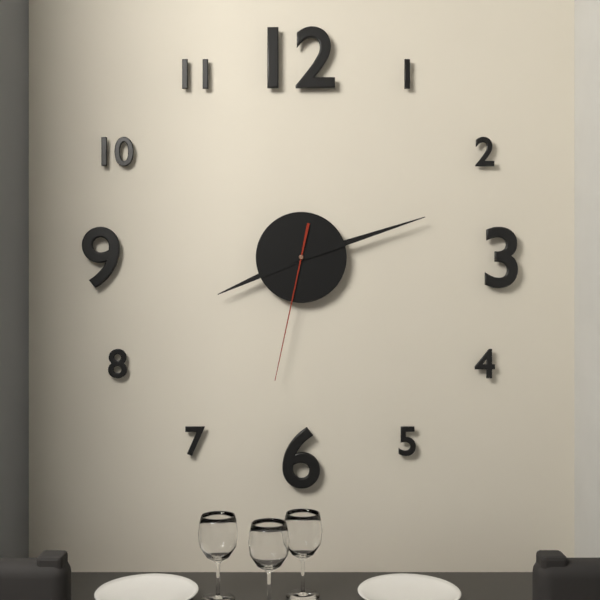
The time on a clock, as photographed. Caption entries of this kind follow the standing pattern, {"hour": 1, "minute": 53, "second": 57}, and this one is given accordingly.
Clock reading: {"hour": 8, "minute": 12, "second": 32}
